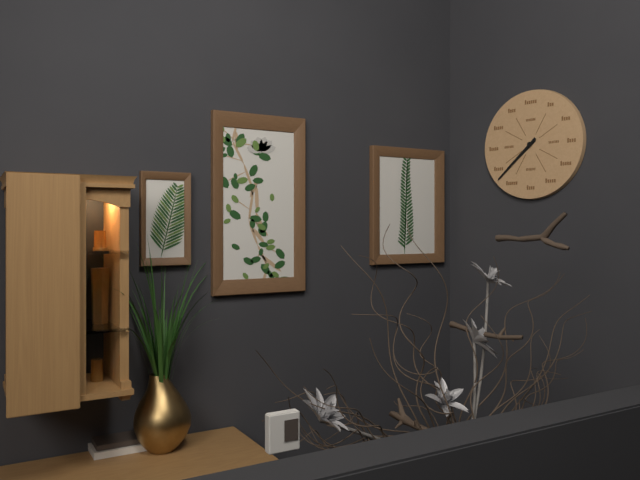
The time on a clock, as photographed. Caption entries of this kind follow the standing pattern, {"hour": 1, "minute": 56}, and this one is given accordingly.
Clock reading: {"hour": 7, "minute": 38}
